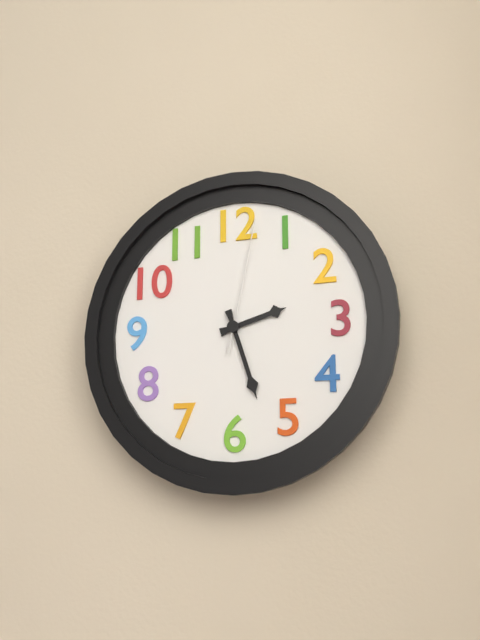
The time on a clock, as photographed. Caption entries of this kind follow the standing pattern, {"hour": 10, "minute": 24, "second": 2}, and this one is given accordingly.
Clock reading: {"hour": 2, "minute": 27, "second": 2}
